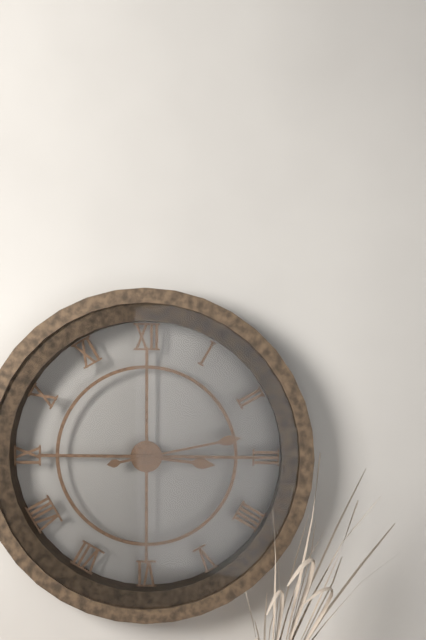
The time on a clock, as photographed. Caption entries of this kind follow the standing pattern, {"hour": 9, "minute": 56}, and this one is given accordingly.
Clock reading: {"hour": 3, "minute": 13}
